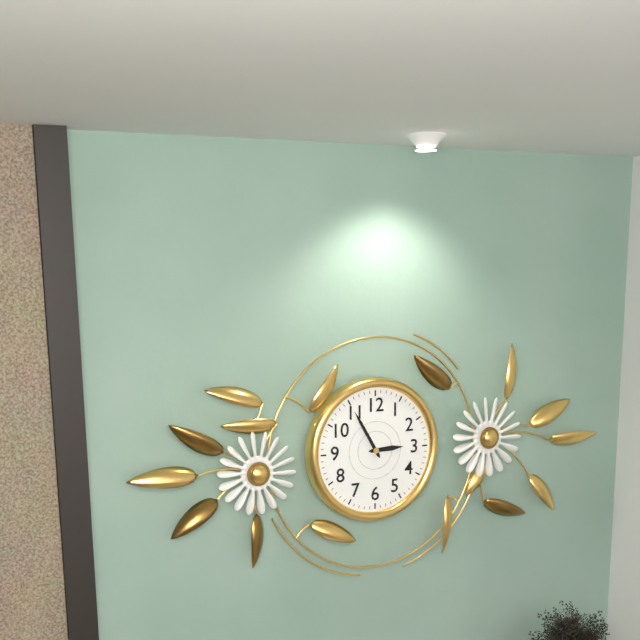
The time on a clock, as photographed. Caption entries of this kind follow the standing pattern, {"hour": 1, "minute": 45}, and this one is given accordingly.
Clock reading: {"hour": 2, "minute": 55}
